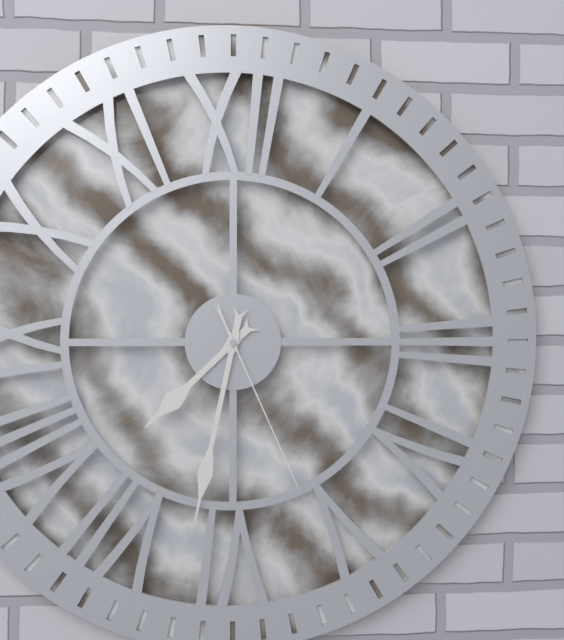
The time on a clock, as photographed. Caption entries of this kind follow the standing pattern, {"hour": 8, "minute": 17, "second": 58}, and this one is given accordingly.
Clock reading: {"hour": 7, "minute": 32, "second": 26}
